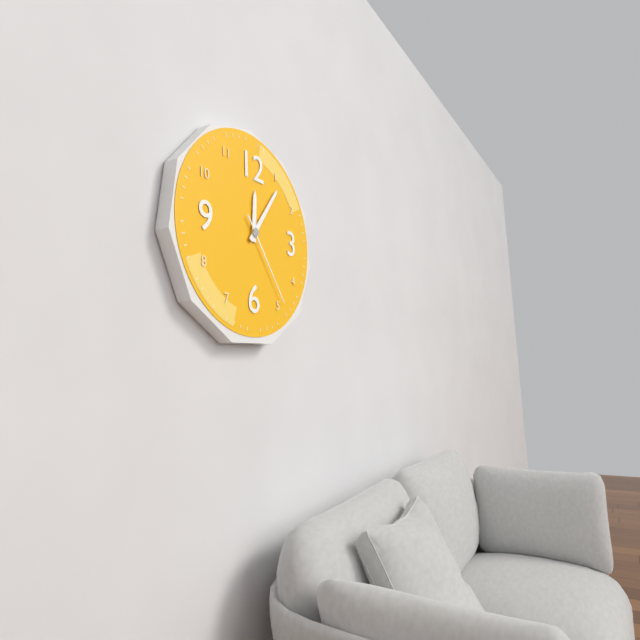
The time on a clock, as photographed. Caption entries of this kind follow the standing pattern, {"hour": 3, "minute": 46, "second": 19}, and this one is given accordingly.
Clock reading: {"hour": 12, "minute": 6, "second": 24}
